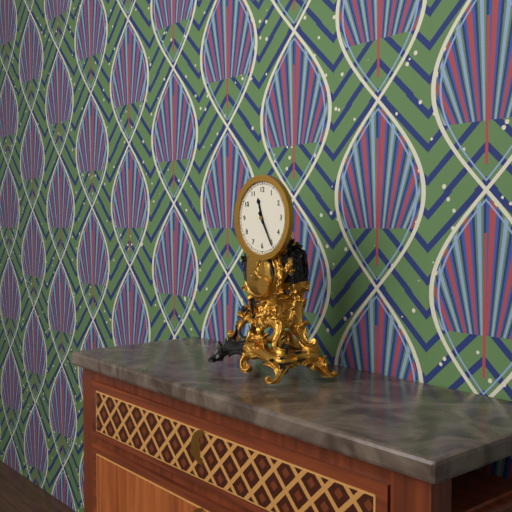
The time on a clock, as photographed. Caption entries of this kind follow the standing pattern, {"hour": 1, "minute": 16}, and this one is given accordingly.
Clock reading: {"hour": 11, "minute": 25}
